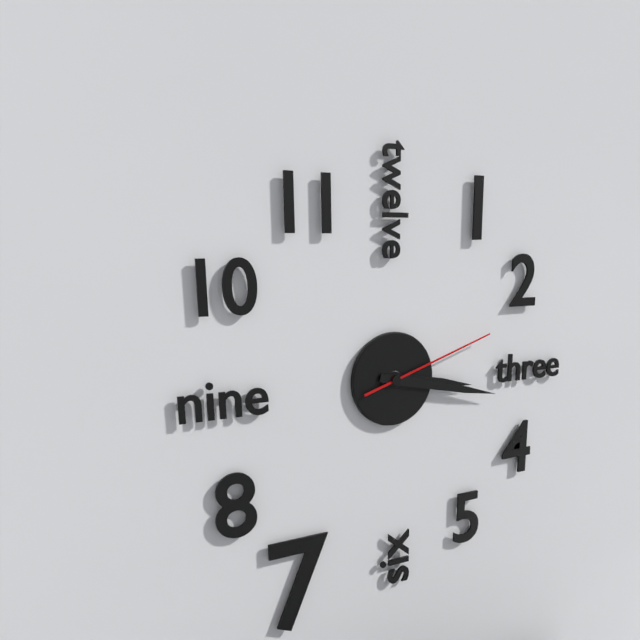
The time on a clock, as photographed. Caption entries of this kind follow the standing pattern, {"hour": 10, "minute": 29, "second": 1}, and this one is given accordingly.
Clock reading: {"hour": 3, "minute": 17, "second": 12}
